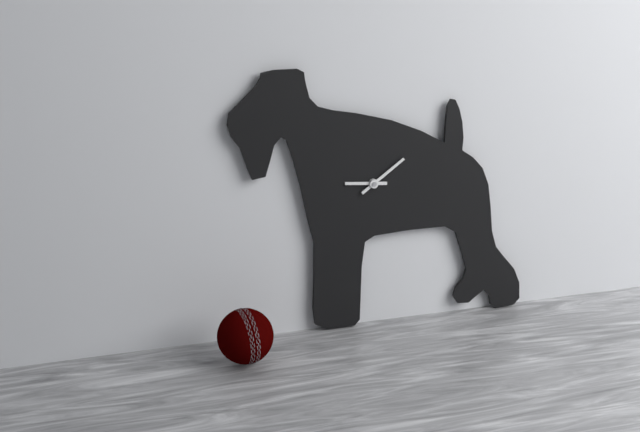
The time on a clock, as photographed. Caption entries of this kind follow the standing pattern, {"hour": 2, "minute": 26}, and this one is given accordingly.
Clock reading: {"hour": 9, "minute": 9}
